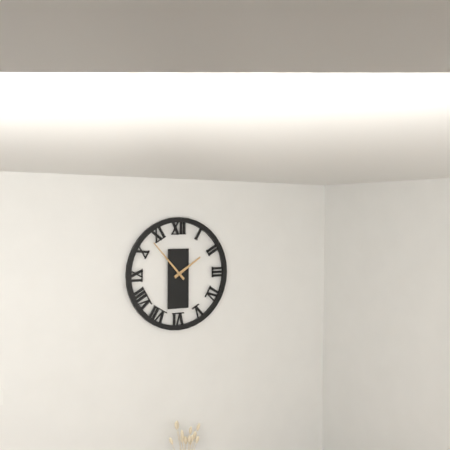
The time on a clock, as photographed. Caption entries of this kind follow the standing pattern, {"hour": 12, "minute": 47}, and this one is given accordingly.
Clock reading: {"hour": 1, "minute": 53}
